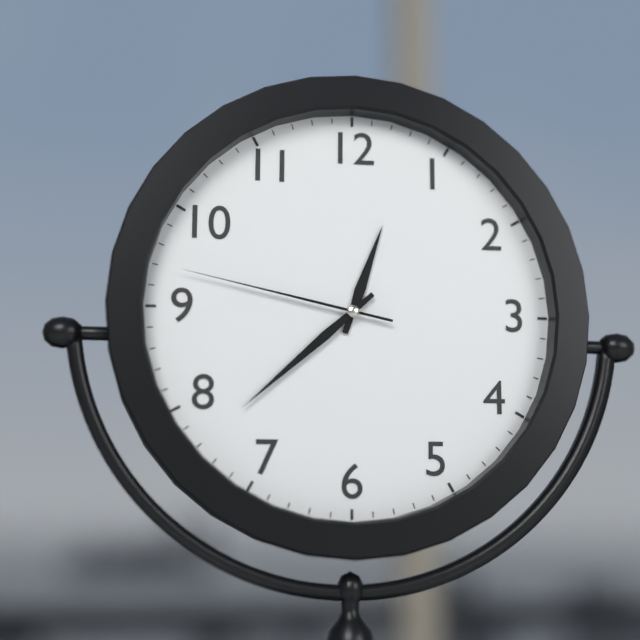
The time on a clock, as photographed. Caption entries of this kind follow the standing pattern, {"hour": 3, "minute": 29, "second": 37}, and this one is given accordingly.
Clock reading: {"hour": 12, "minute": 38, "second": 47}
